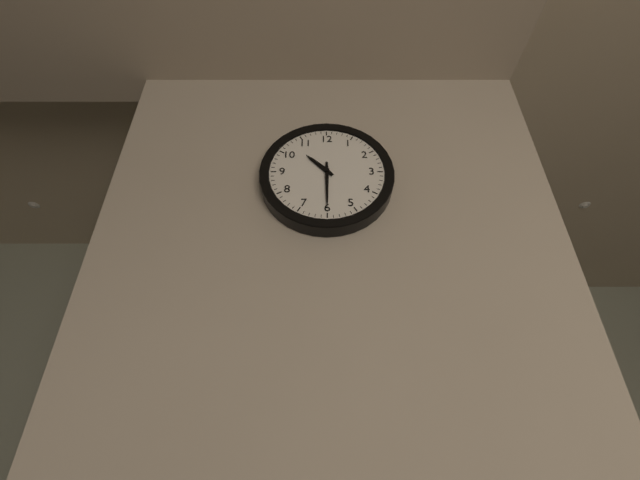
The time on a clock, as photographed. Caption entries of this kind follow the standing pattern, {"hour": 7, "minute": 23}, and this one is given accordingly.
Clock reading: {"hour": 10, "minute": 30}
